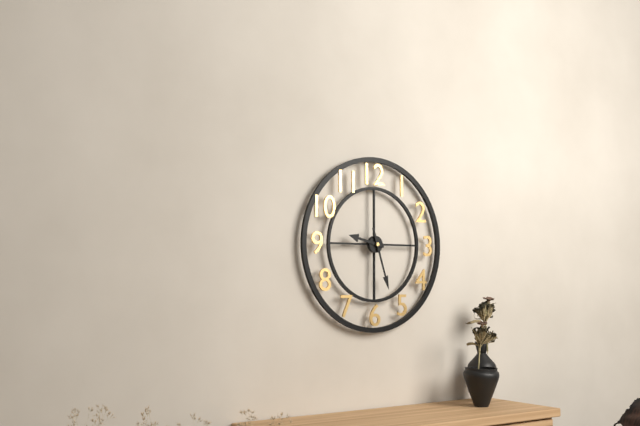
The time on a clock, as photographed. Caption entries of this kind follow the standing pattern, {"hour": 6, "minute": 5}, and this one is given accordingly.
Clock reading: {"hour": 9, "minute": 27}
